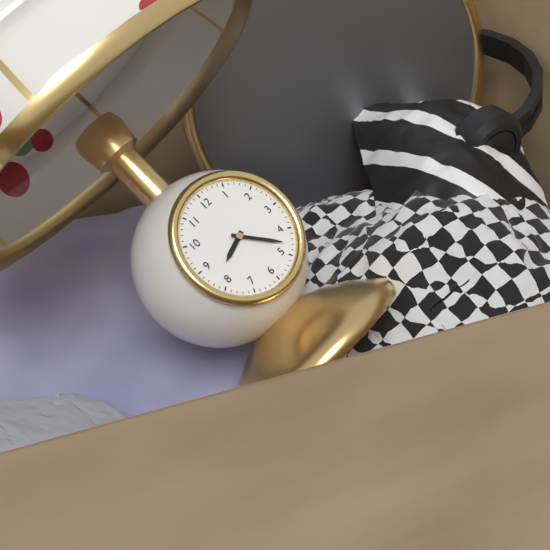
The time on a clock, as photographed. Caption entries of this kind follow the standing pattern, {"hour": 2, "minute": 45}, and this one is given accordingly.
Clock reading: {"hour": 8, "minute": 23}
